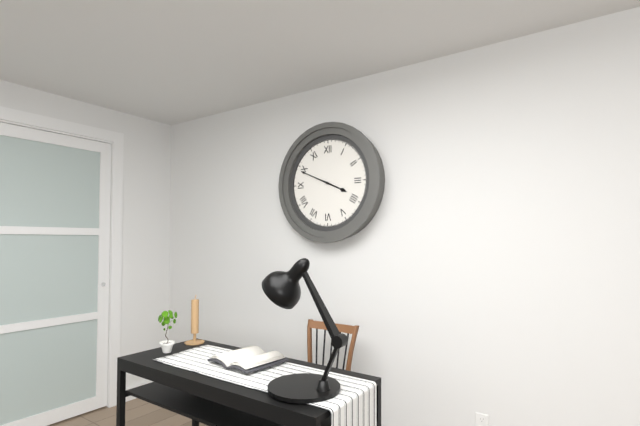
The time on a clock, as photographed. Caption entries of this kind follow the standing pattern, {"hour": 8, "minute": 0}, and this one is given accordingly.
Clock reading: {"hour": 3, "minute": 49}
